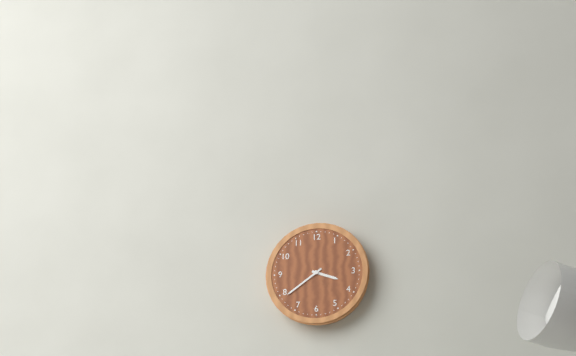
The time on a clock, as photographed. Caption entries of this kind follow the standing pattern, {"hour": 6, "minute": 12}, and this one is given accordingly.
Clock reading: {"hour": 3, "minute": 39}
